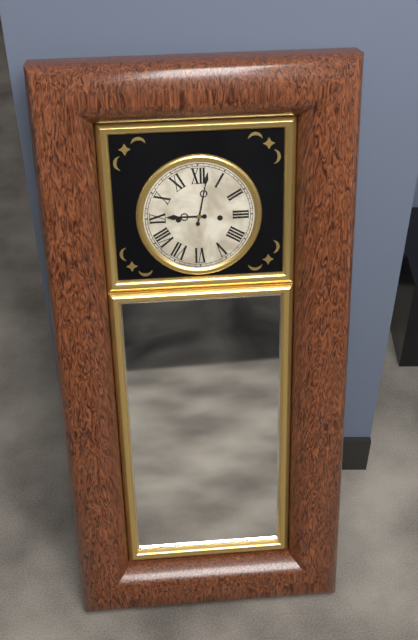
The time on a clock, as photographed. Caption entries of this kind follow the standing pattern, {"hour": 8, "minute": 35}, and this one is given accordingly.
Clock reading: {"hour": 9, "minute": 2}
